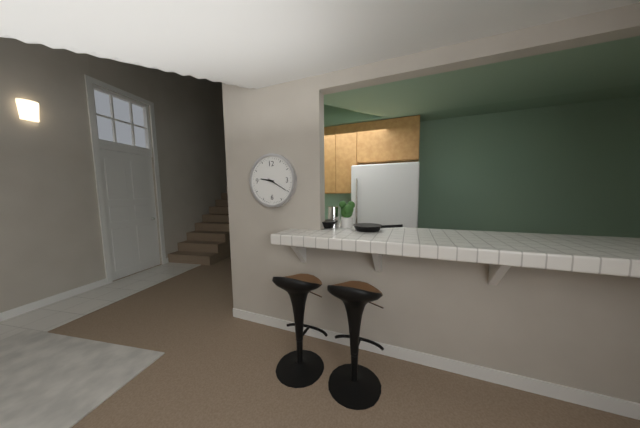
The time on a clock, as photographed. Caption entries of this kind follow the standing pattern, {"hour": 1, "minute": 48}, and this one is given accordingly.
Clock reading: {"hour": 9, "minute": 20}
